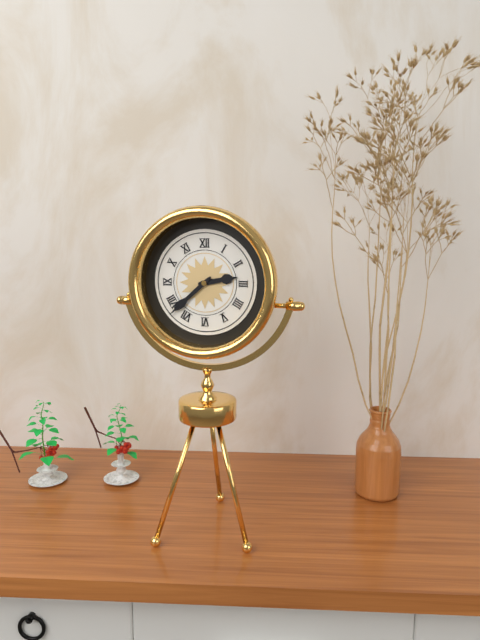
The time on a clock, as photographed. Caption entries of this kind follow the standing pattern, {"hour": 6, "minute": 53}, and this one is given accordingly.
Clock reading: {"hour": 2, "minute": 38}
